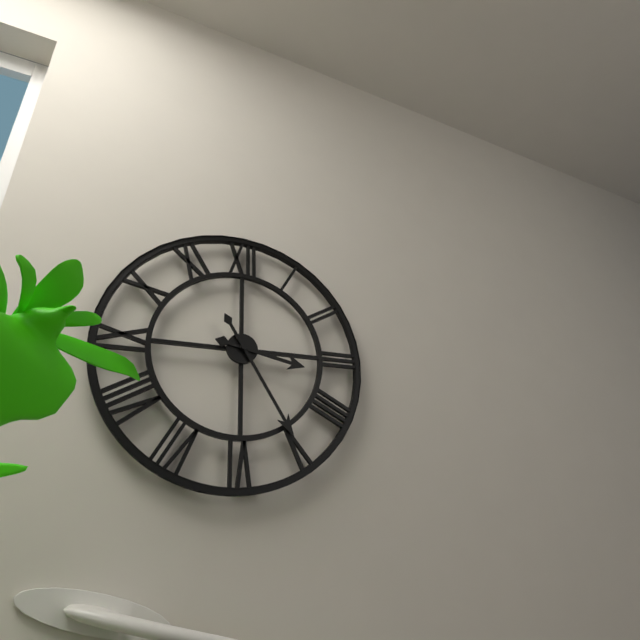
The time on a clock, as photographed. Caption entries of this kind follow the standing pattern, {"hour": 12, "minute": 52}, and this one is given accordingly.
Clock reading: {"hour": 3, "minute": 25}
